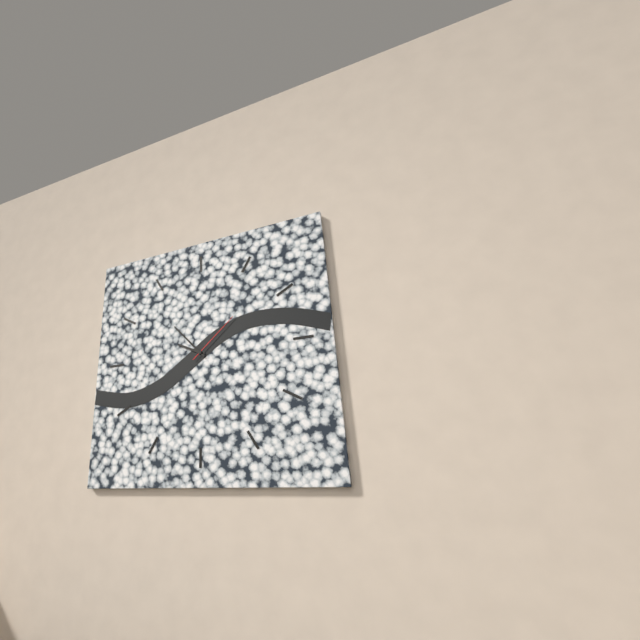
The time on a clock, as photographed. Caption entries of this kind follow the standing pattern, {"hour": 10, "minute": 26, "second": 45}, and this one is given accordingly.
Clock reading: {"hour": 9, "minute": 53, "second": 8}
